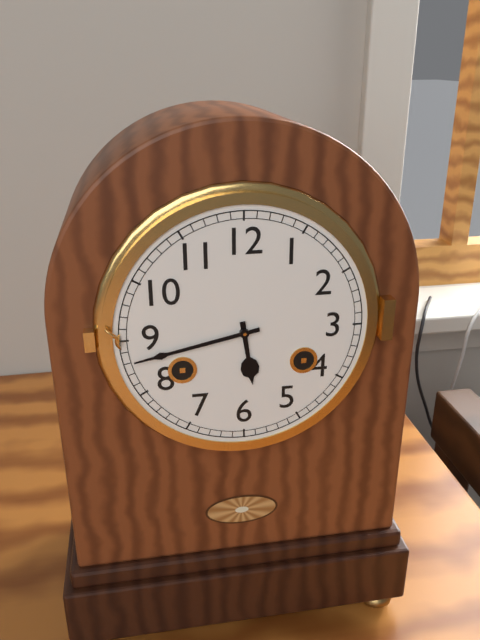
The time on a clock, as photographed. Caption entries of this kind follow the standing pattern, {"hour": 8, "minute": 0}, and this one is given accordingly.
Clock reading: {"hour": 5, "minute": 43}
